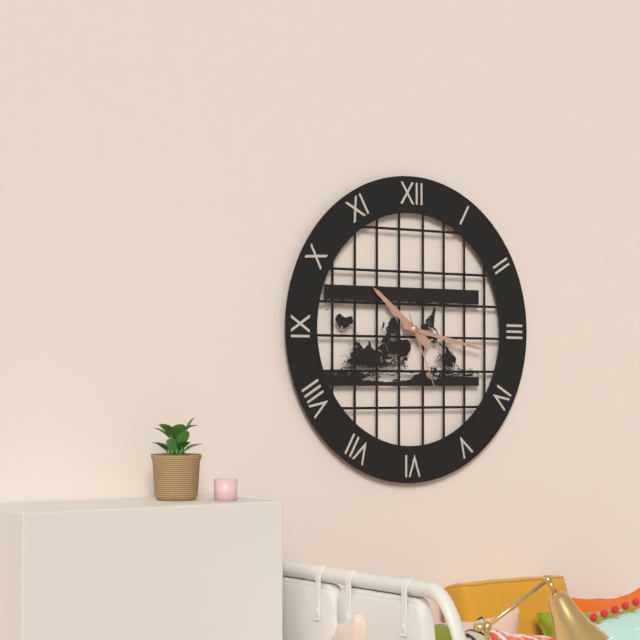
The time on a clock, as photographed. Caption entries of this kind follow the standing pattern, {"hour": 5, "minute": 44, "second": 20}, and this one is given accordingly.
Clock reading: {"hour": 10, "minute": 17, "second": 26}
